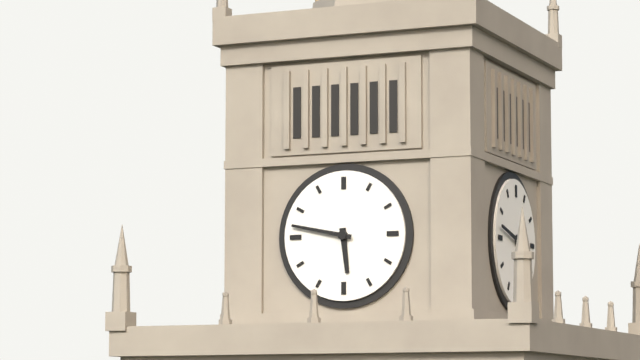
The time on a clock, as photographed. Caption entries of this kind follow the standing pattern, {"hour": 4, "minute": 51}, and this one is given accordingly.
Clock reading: {"hour": 5, "minute": 47}
